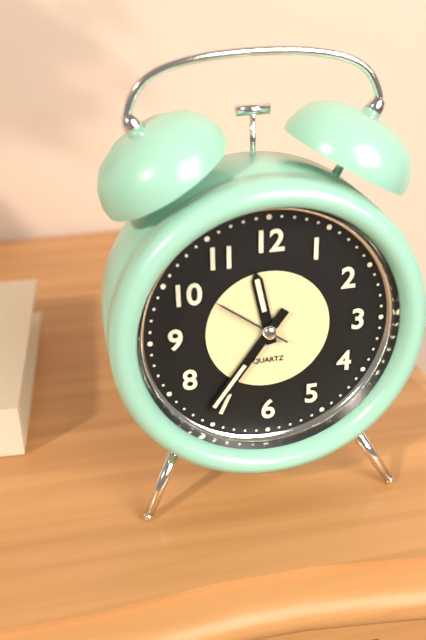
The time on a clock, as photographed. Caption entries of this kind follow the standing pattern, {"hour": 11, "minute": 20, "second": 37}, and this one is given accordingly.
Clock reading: {"hour": 11, "minute": 36, "second": 51}
